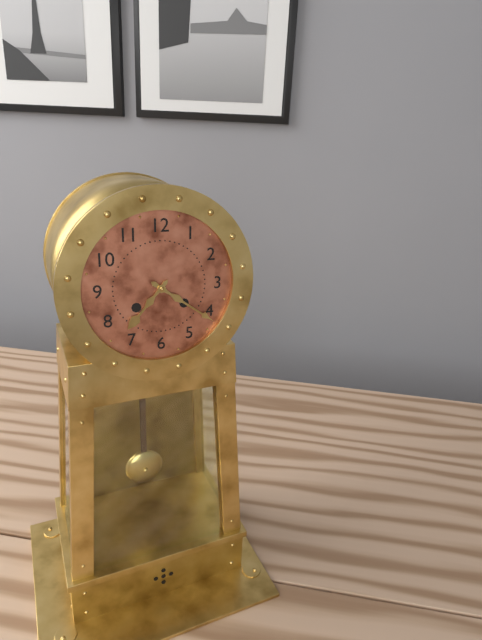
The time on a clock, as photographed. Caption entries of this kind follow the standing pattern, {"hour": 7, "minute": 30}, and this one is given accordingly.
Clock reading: {"hour": 7, "minute": 21}
